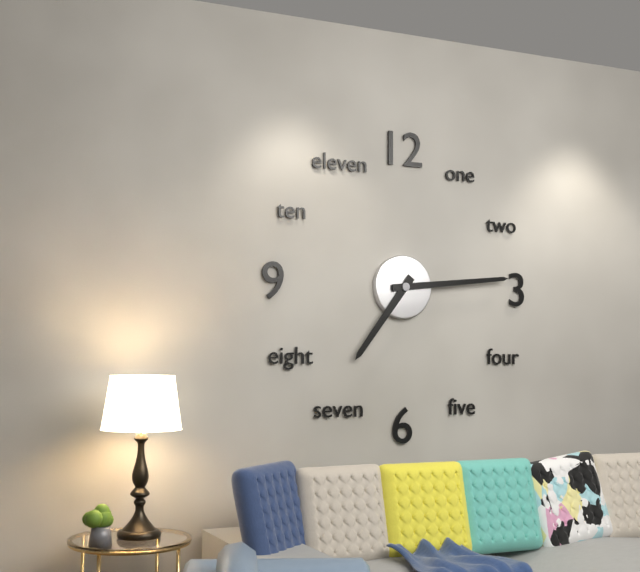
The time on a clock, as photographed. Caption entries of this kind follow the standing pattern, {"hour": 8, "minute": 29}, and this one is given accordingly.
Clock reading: {"hour": 7, "minute": 14}
